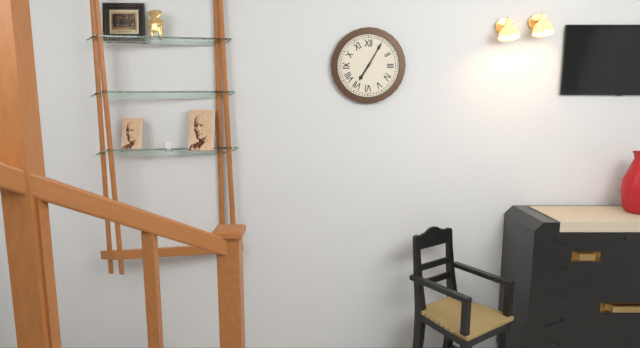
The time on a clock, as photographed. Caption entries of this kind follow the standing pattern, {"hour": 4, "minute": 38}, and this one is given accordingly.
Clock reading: {"hour": 7, "minute": 5}
